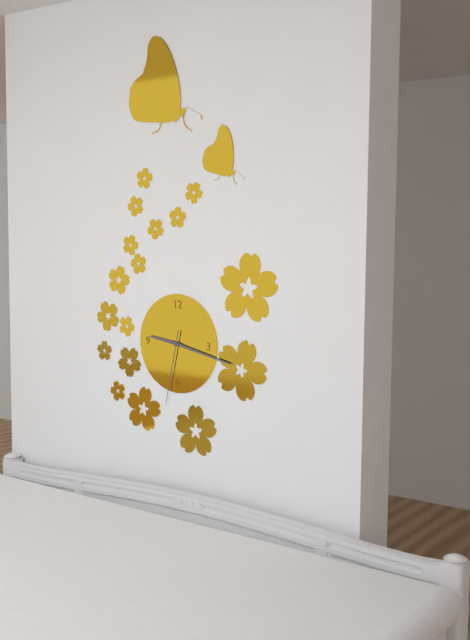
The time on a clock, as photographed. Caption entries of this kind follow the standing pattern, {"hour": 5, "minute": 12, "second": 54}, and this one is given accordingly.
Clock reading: {"hour": 9, "minute": 17, "second": 32}
